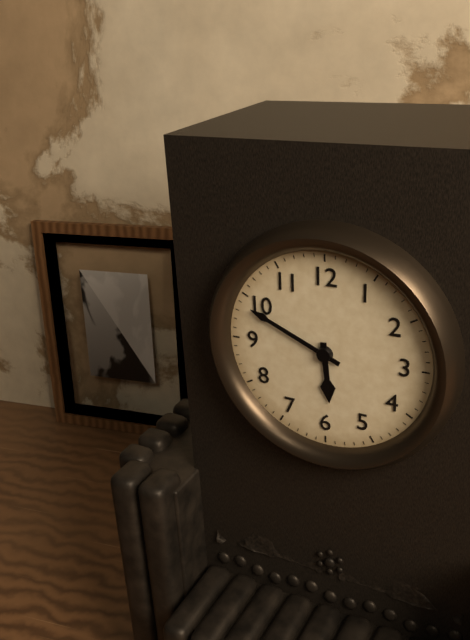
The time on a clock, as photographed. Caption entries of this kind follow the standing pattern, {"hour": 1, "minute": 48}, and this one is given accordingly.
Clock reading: {"hour": 5, "minute": 49}
